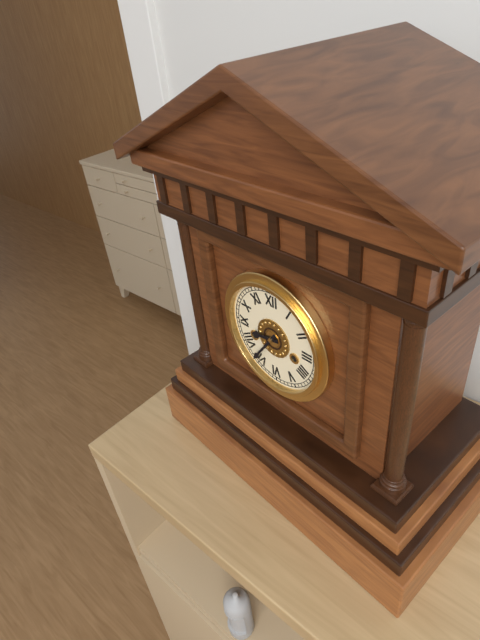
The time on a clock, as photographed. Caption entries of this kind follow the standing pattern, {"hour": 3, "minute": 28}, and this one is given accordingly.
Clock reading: {"hour": 8, "minute": 36}
